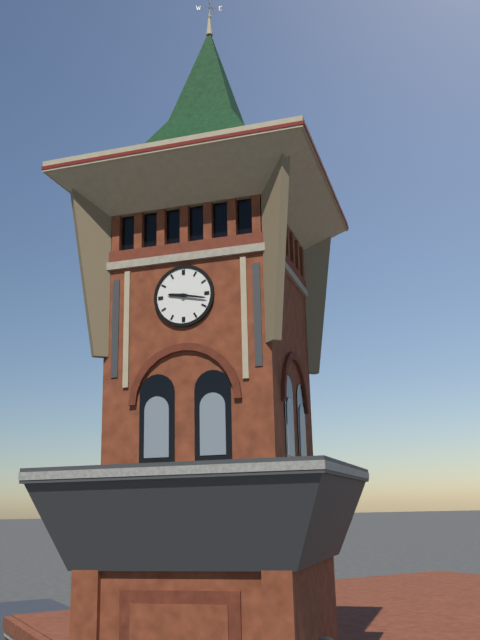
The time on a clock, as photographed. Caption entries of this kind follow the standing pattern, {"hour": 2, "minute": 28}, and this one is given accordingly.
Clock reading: {"hour": 9, "minute": 17}
